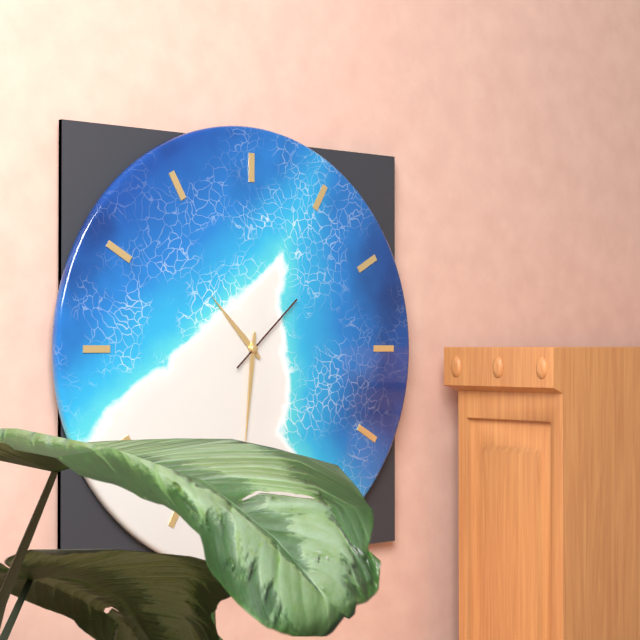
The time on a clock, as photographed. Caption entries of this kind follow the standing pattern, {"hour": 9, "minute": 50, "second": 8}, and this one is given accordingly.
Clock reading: {"hour": 10, "minute": 31, "second": 8}
